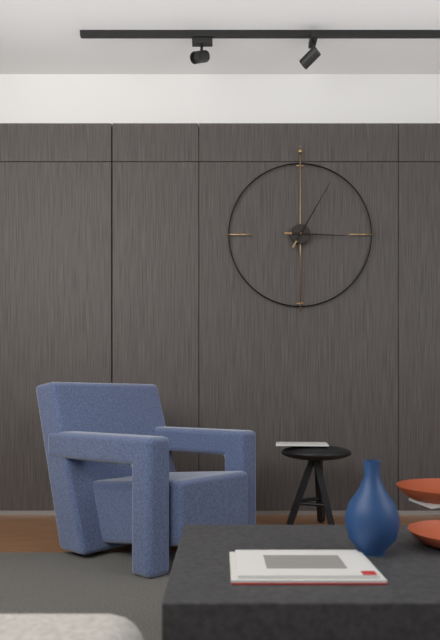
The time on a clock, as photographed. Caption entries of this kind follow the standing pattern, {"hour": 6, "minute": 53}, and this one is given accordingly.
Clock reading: {"hour": 3, "minute": 5}
